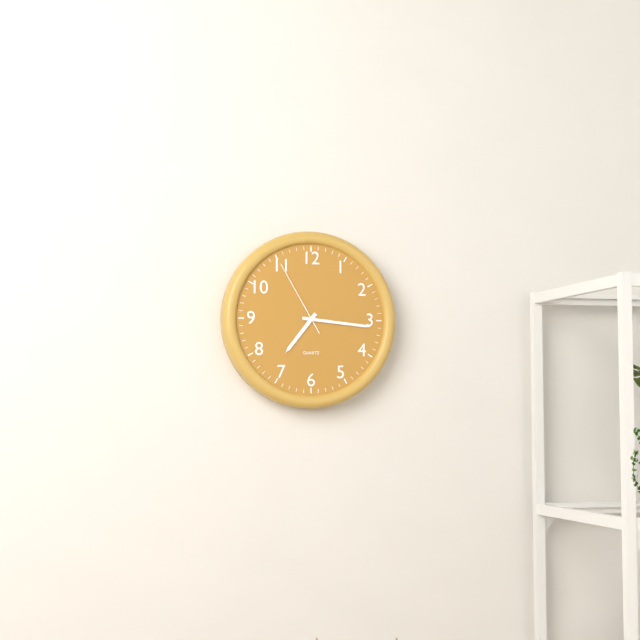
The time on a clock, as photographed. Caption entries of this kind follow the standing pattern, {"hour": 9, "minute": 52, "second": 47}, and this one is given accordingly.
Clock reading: {"hour": 7, "minute": 16, "second": 55}
